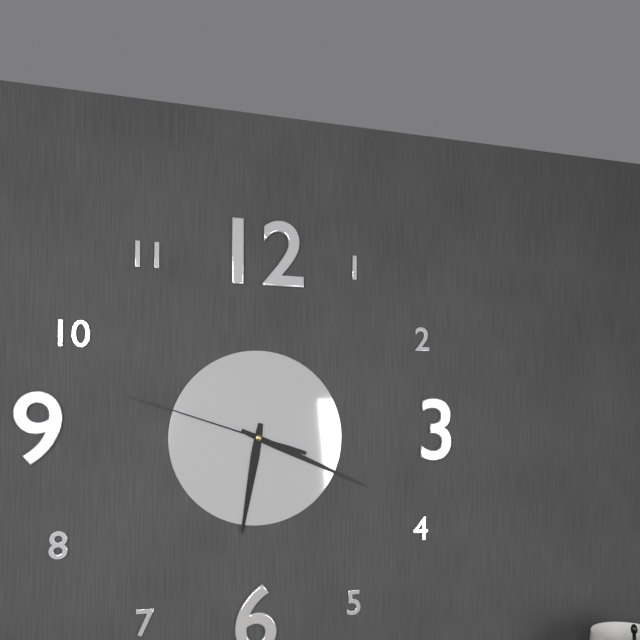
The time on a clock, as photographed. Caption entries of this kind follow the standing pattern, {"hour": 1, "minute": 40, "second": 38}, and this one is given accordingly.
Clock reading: {"hour": 6, "minute": 19, "second": 48}
